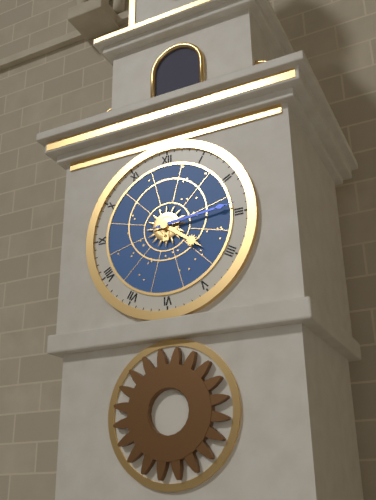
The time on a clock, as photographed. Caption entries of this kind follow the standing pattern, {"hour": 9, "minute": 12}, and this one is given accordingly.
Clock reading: {"hour": 4, "minute": 14}
